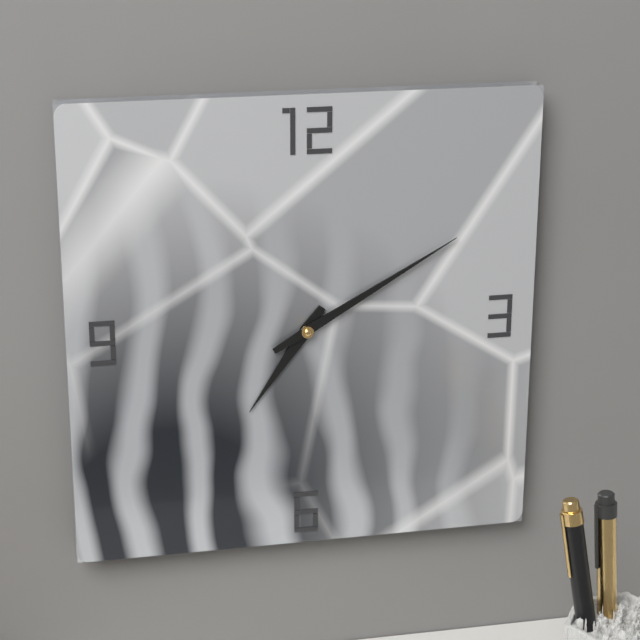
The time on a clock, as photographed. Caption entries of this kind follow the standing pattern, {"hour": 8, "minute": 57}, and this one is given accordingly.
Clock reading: {"hour": 7, "minute": 10}
